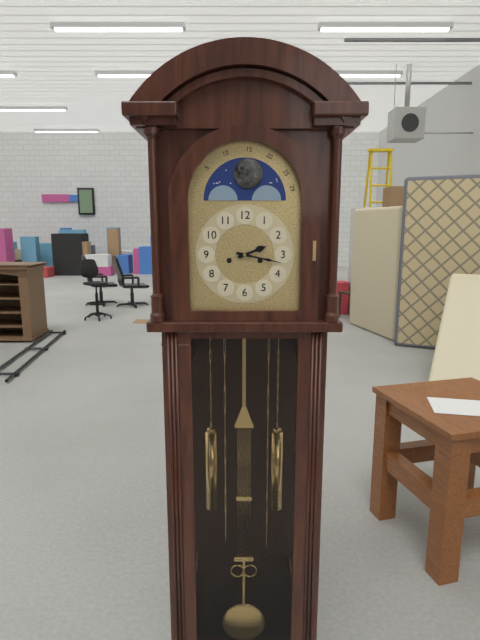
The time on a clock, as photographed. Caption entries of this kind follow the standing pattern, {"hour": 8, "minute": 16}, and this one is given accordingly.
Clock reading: {"hour": 2, "minute": 17}
